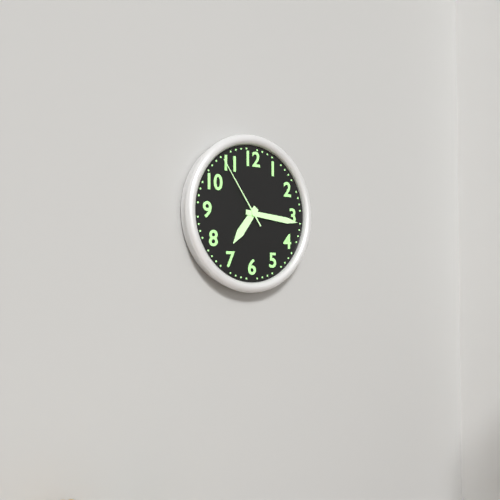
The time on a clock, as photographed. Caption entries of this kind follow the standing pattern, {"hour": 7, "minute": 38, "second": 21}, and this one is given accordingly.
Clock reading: {"hour": 7, "minute": 16, "second": 54}
